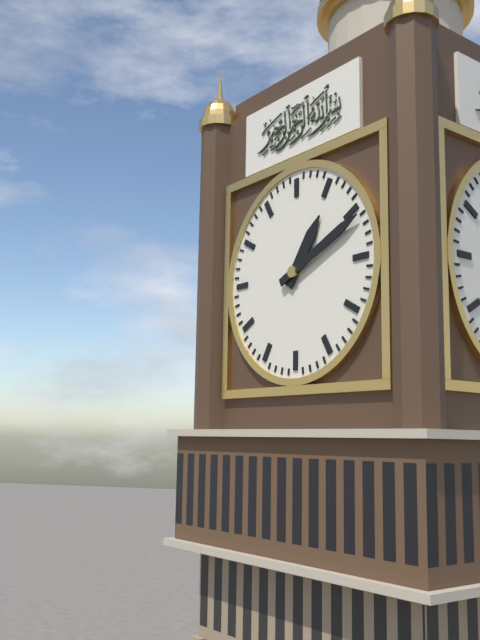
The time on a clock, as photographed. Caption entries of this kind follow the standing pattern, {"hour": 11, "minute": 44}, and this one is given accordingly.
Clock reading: {"hour": 1, "minute": 11}
